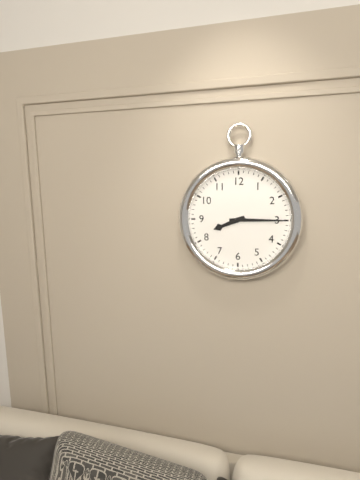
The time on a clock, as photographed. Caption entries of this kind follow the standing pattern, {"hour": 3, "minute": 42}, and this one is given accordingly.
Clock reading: {"hour": 8, "minute": 15}
